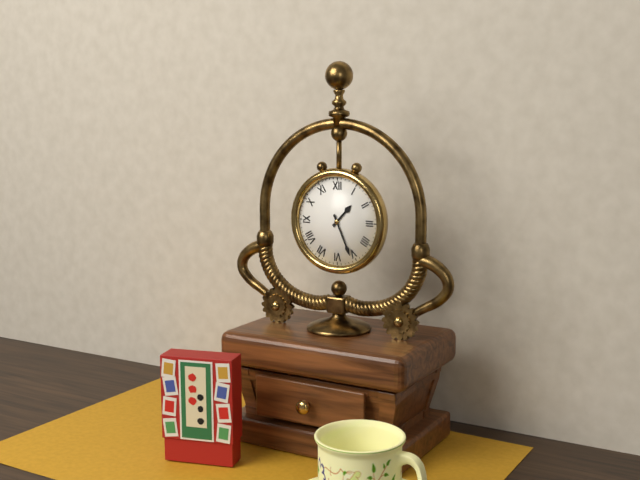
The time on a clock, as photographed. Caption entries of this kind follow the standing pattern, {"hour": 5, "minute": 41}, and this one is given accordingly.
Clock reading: {"hour": 1, "minute": 26}
